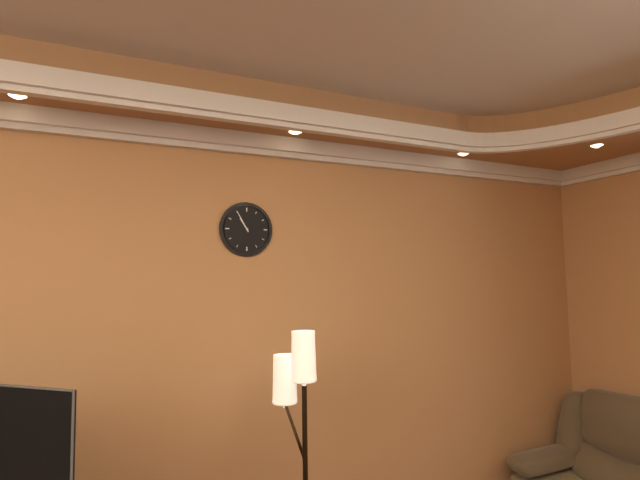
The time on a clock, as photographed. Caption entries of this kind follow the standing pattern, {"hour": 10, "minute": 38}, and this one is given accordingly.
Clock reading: {"hour": 10, "minute": 55}
